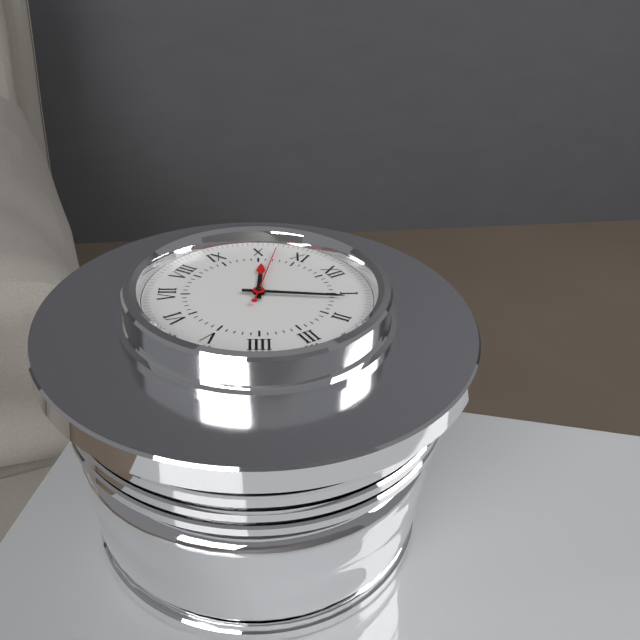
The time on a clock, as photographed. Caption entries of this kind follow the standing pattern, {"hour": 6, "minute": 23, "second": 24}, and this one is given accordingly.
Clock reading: {"hour": 10, "minute": 6, "second": 52}
